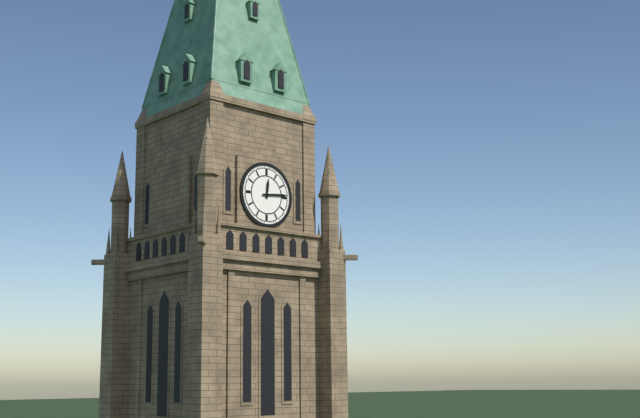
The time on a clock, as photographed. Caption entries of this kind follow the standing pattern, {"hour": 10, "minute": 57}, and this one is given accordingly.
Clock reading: {"hour": 12, "minute": 14}
